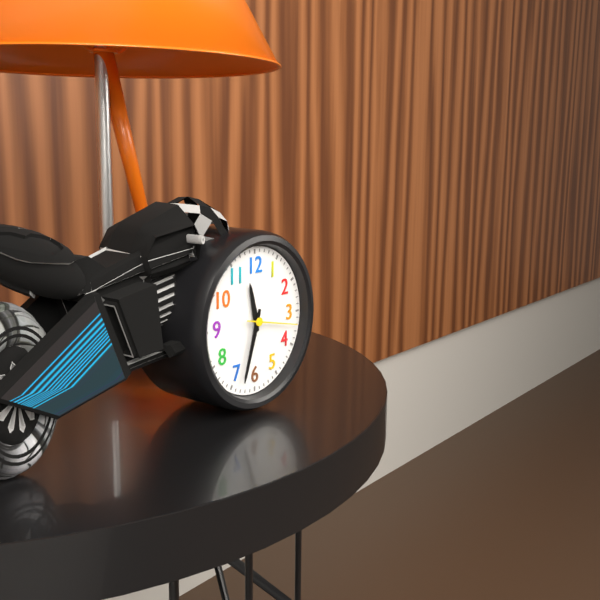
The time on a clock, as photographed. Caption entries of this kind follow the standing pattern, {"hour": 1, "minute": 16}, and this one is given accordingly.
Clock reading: {"hour": 11, "minute": 33}
